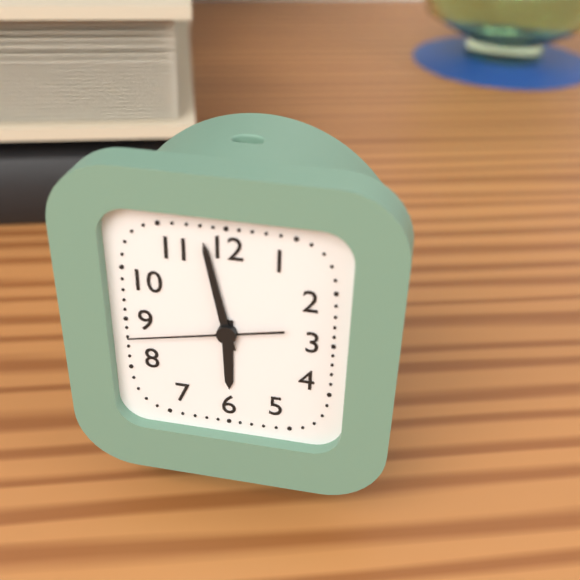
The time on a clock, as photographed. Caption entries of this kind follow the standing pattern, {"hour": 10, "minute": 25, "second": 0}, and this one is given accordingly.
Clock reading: {"hour": 5, "minute": 58, "second": 43}
